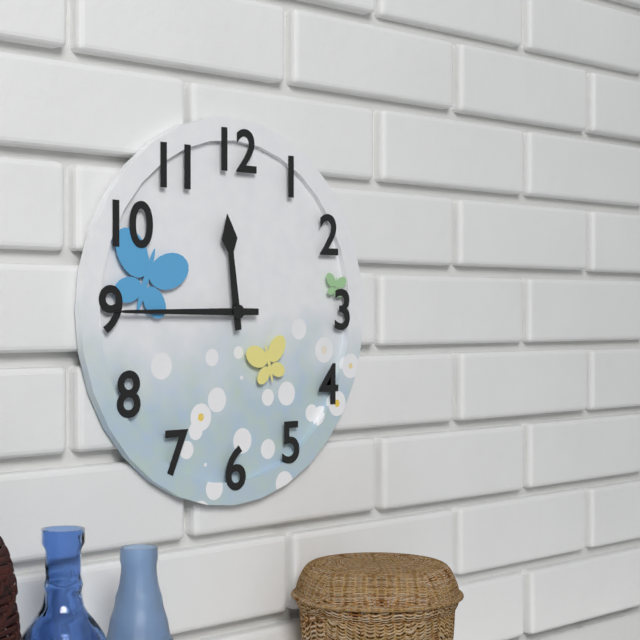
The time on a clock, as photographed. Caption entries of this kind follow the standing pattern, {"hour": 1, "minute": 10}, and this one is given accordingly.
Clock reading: {"hour": 11, "minute": 45}
